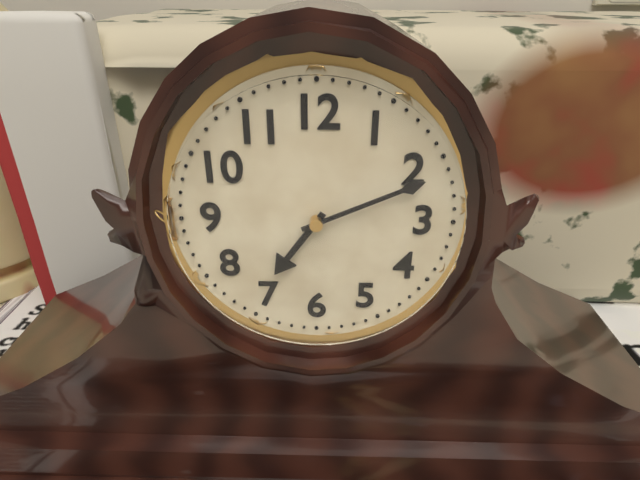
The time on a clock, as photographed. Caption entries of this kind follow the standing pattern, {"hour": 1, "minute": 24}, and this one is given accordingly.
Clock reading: {"hour": 7, "minute": 11}
